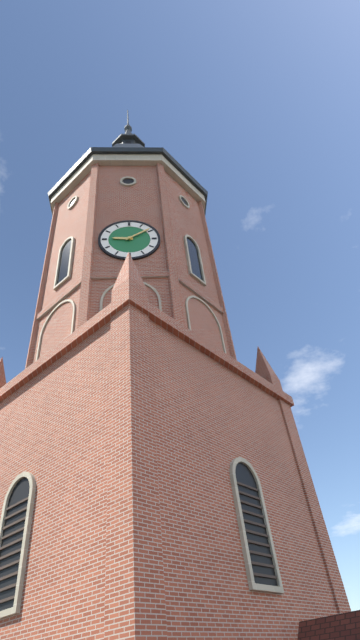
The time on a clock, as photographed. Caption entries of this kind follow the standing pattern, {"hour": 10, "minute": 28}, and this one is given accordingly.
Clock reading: {"hour": 9, "minute": 9}
